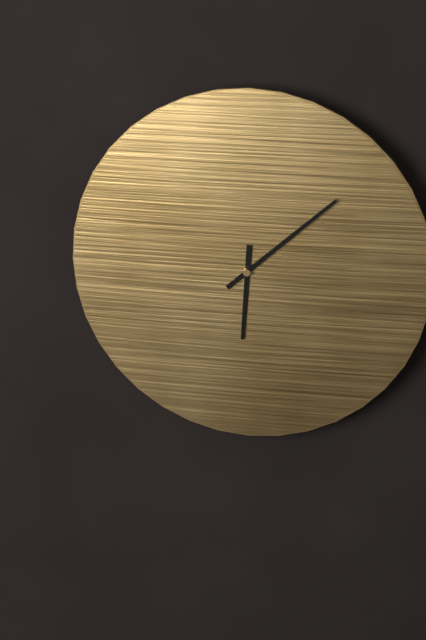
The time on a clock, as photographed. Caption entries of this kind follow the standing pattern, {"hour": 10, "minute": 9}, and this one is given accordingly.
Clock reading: {"hour": 6, "minute": 8}
